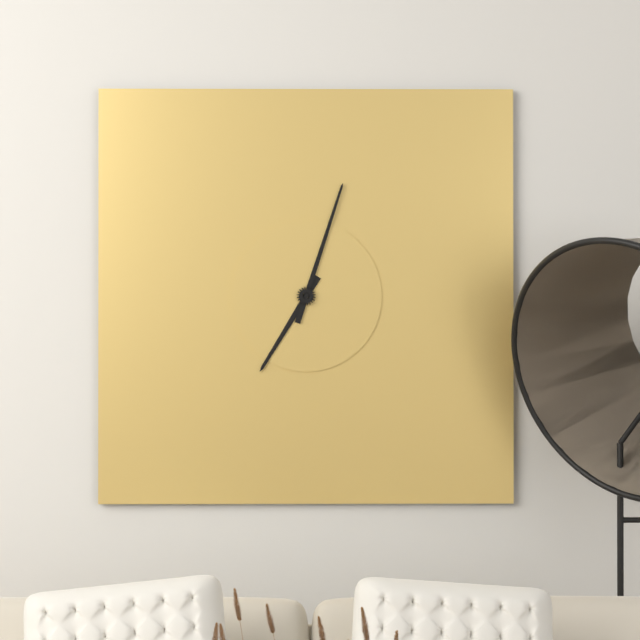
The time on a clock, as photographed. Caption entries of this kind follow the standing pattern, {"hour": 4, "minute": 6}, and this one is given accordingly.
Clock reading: {"hour": 7, "minute": 3}
